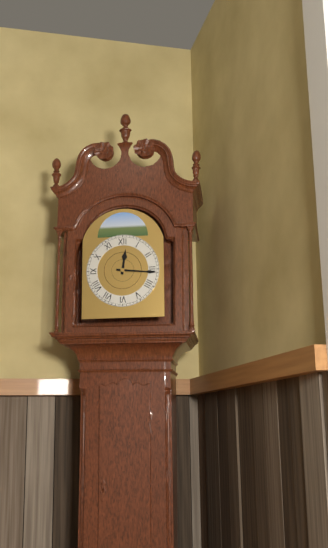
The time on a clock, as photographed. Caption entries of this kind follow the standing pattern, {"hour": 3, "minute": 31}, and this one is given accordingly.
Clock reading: {"hour": 12, "minute": 16}
